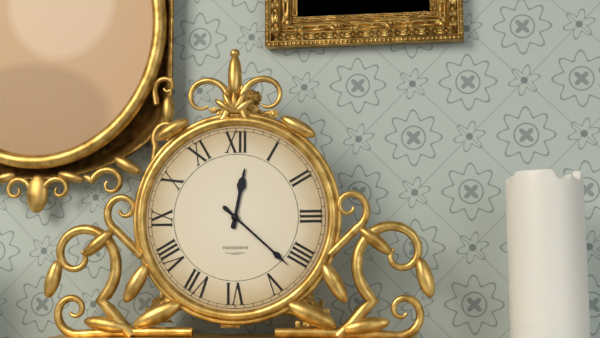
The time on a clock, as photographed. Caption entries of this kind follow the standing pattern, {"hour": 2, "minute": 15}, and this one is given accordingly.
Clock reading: {"hour": 12, "minute": 22}
